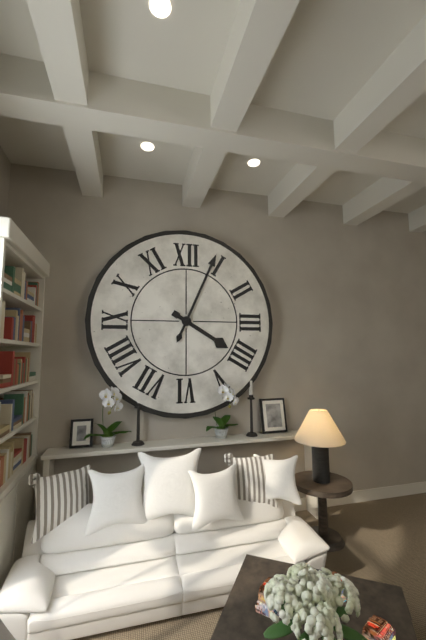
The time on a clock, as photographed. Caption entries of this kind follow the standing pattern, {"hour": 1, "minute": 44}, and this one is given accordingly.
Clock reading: {"hour": 4, "minute": 4}
